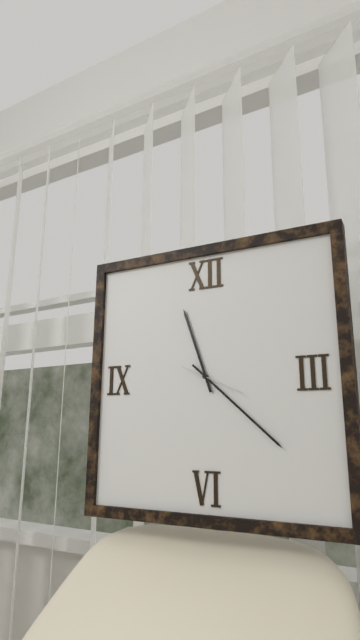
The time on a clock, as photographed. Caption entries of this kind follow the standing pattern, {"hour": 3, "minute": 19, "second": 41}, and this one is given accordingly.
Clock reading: {"hour": 11, "minute": 22, "second": 19}
